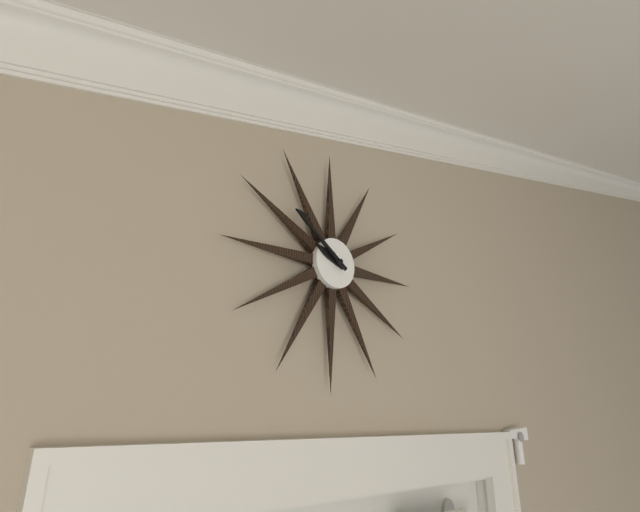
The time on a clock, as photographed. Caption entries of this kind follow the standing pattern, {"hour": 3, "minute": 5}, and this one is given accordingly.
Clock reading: {"hour": 9, "minute": 51}
